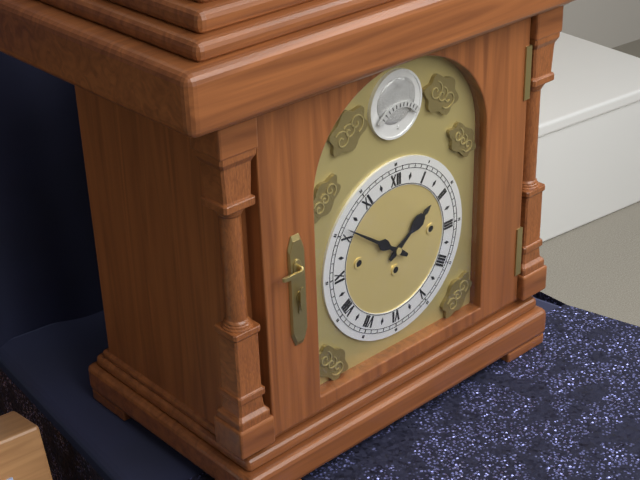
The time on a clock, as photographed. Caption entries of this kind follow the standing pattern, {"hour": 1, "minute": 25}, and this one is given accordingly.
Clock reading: {"hour": 1, "minute": 51}
